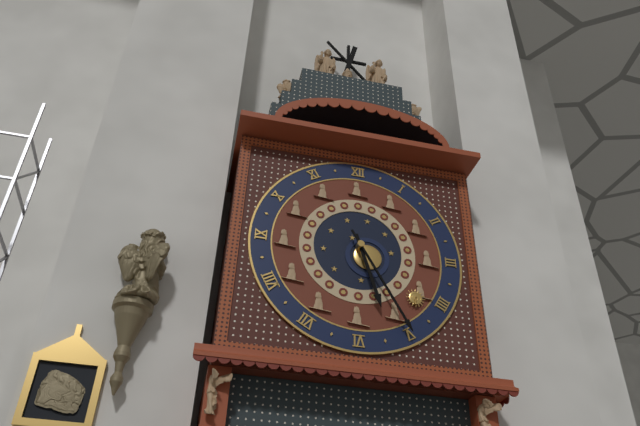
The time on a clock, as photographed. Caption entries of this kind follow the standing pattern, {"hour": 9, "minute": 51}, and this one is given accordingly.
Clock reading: {"hour": 5, "minute": 25}
